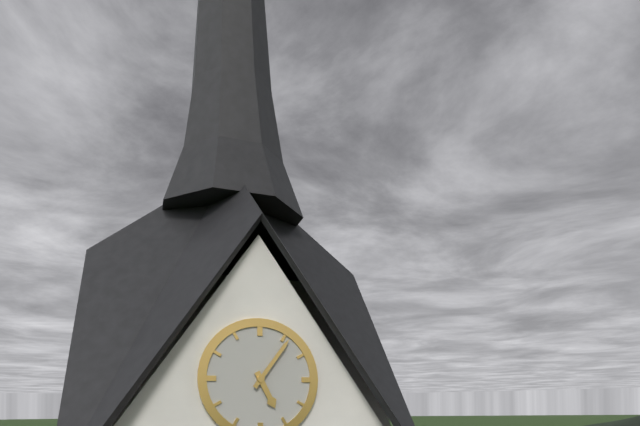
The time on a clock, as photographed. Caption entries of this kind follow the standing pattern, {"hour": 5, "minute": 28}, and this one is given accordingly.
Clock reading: {"hour": 5, "minute": 6}
